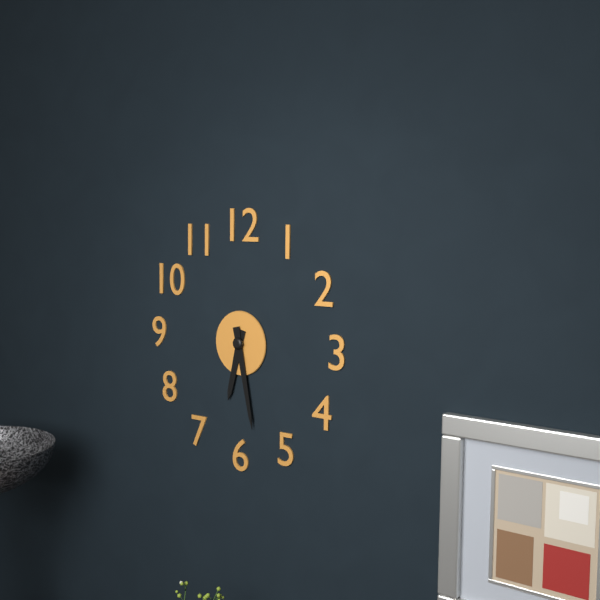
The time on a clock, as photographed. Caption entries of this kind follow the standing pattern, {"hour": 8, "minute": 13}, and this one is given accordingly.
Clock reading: {"hour": 6, "minute": 28}
